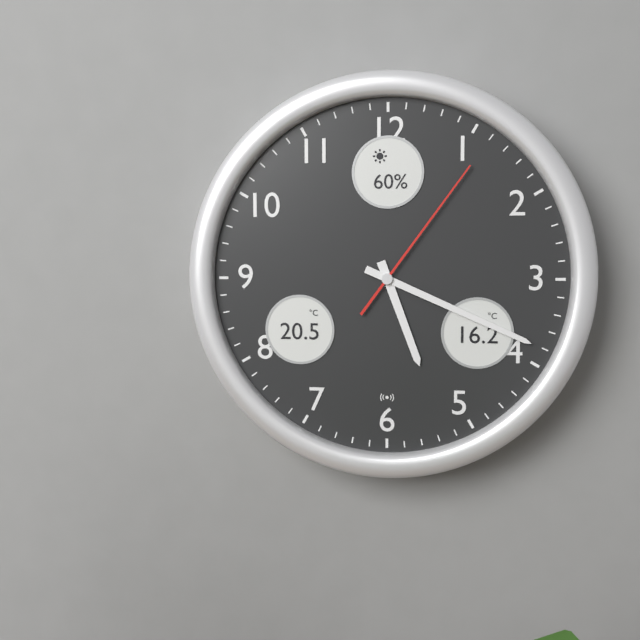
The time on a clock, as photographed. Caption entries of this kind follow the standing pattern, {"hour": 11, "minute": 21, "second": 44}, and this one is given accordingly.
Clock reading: {"hour": 5, "minute": 19, "second": 6}
